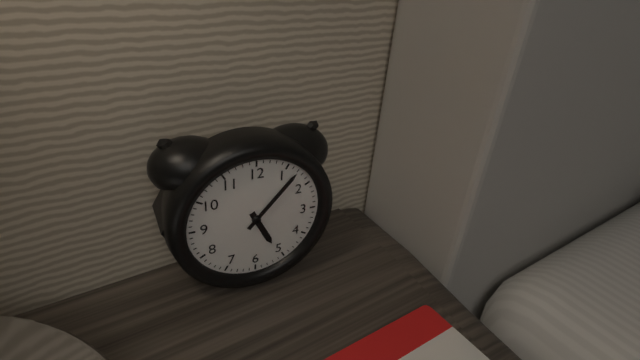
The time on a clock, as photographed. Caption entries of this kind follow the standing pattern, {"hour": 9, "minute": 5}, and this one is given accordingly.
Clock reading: {"hour": 5, "minute": 7}
